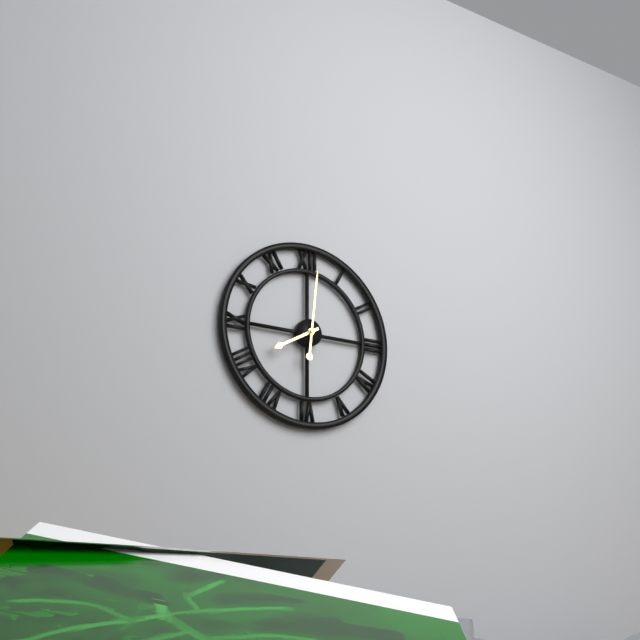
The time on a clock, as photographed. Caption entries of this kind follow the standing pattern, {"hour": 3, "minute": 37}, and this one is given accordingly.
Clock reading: {"hour": 8, "minute": 1}
